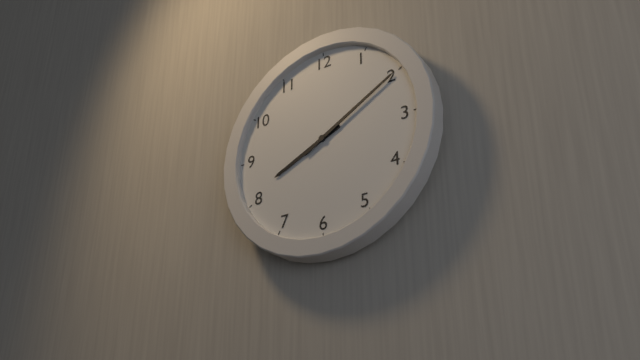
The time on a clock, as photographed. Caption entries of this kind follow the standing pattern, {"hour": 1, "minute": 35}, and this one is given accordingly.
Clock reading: {"hour": 8, "minute": 10}
